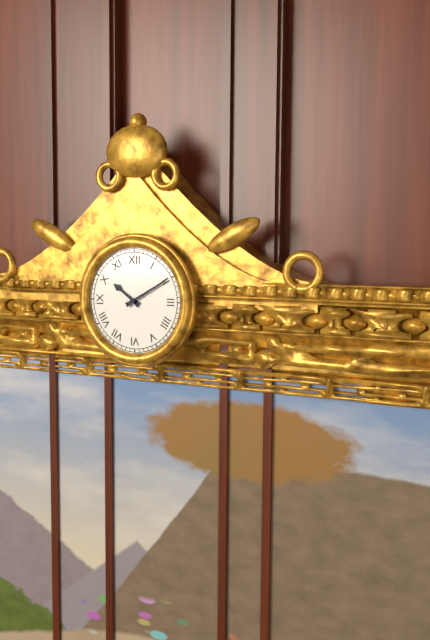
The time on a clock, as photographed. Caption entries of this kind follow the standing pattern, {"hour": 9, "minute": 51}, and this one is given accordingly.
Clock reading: {"hour": 10, "minute": 10}
